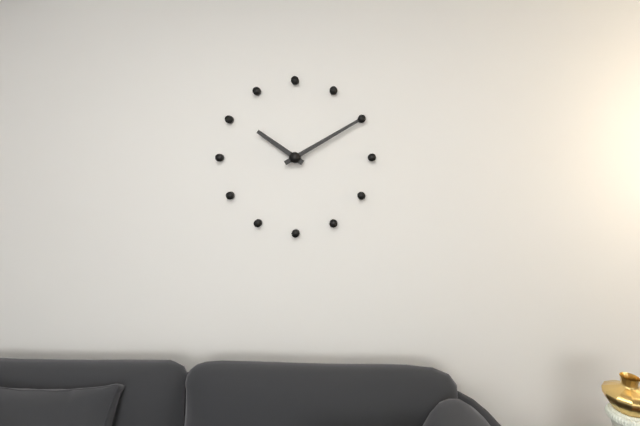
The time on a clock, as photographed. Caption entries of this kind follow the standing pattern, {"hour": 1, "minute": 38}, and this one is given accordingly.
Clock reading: {"hour": 10, "minute": 10}
